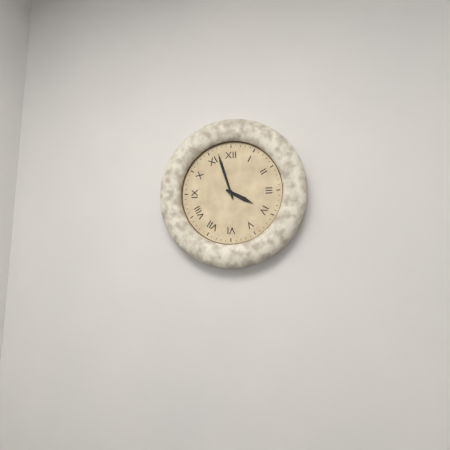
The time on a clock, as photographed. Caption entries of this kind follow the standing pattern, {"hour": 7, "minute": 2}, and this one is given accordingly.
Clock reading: {"hour": 3, "minute": 57}
